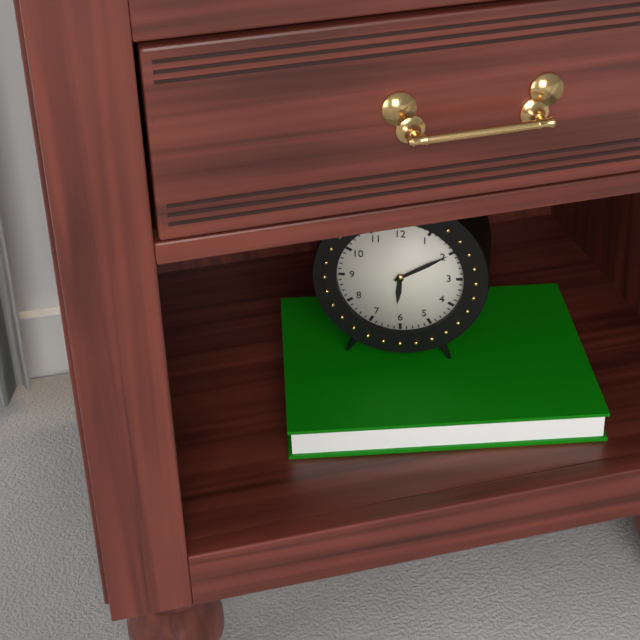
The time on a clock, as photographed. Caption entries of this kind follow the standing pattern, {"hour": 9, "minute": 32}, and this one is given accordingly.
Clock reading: {"hour": 6, "minute": 10}
